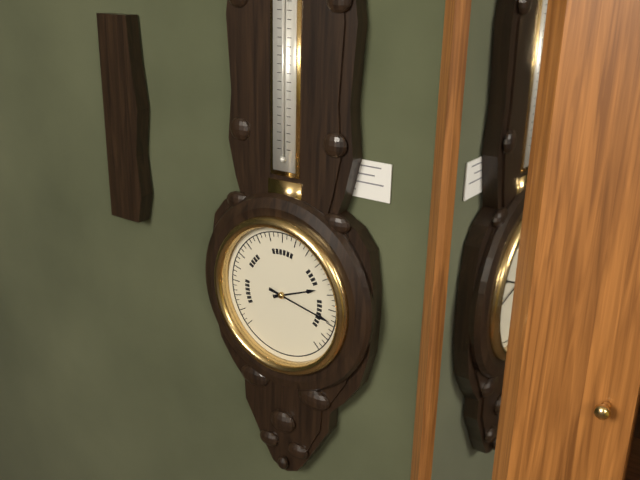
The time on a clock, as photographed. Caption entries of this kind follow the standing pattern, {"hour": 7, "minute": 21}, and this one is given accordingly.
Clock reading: {"hour": 2, "minute": 17}
